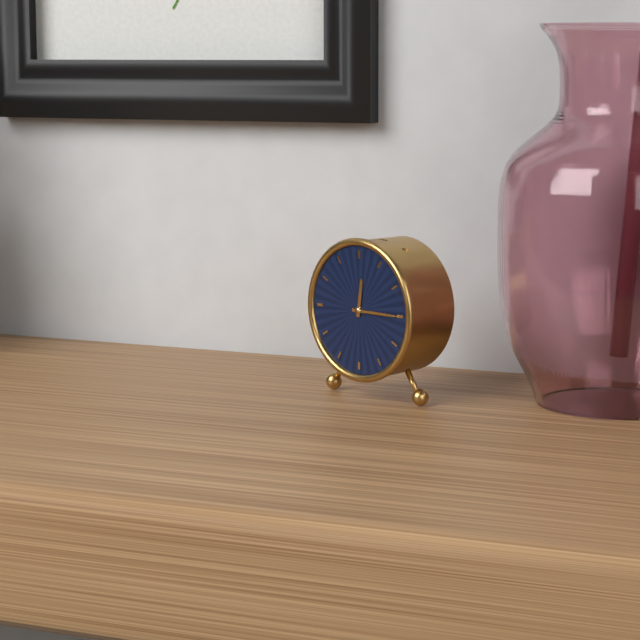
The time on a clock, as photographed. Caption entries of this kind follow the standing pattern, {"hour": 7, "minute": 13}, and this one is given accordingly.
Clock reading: {"hour": 12, "minute": 15}
